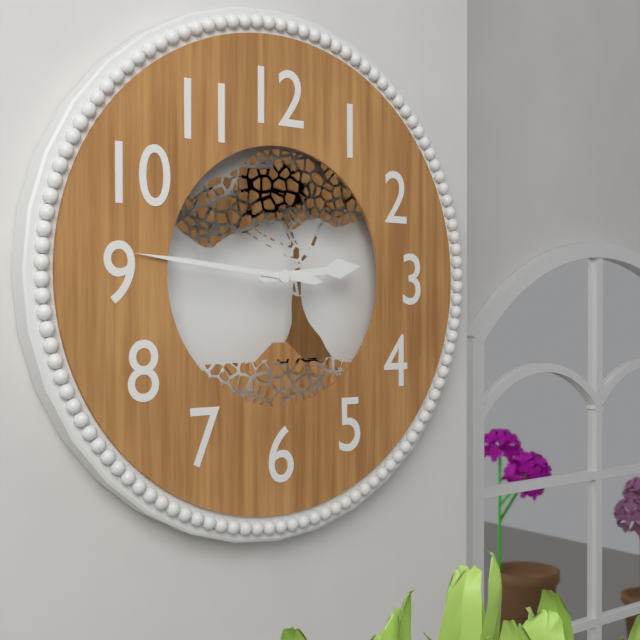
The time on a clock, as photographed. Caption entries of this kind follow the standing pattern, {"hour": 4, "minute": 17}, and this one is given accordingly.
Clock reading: {"hour": 2, "minute": 46}
